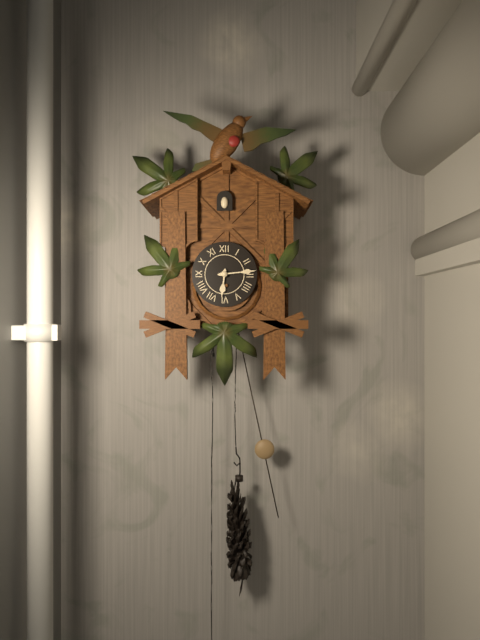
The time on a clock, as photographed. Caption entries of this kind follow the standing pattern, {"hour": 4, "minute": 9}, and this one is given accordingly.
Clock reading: {"hour": 6, "minute": 14}
